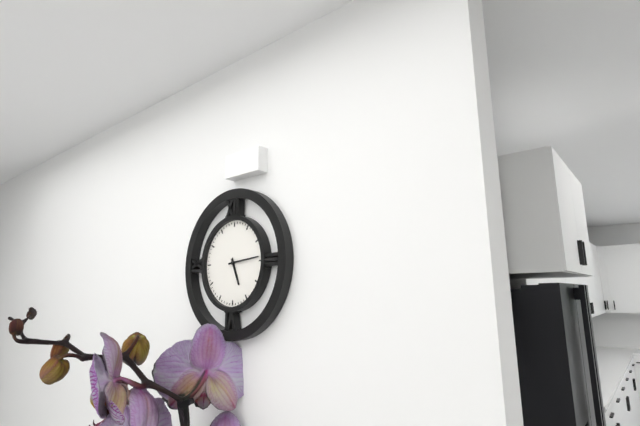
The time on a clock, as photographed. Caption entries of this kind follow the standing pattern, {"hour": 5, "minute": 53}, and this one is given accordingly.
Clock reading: {"hour": 5, "minute": 14}
